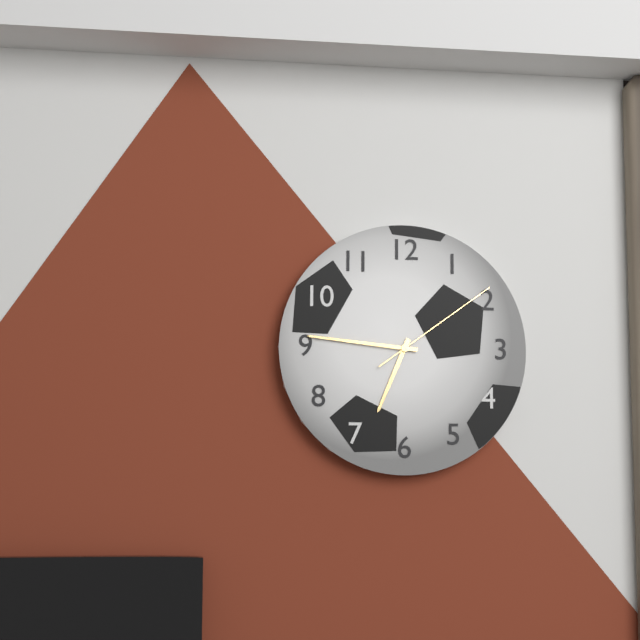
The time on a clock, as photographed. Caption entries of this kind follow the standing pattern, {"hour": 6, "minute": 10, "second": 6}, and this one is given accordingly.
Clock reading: {"hour": 6, "minute": 46, "second": 9}
